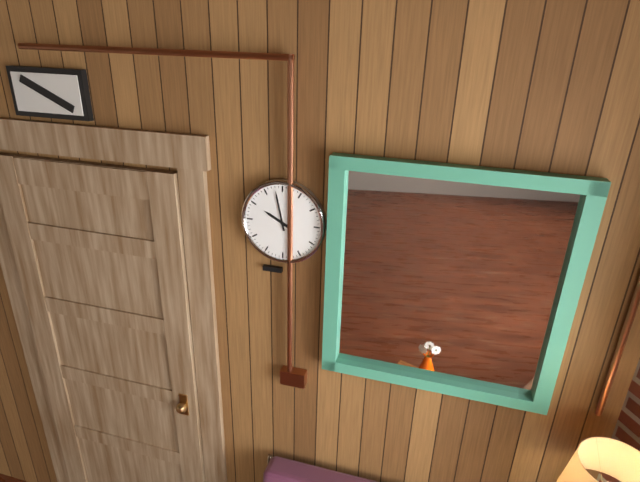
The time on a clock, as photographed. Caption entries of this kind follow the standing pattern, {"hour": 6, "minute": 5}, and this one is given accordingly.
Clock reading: {"hour": 9, "minute": 58}
